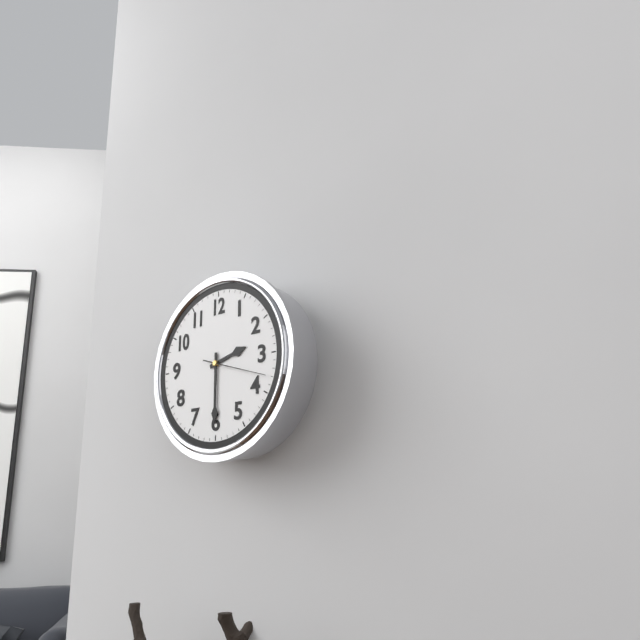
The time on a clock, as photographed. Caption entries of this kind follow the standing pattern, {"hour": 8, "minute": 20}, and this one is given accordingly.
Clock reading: {"hour": 2, "minute": 30}
